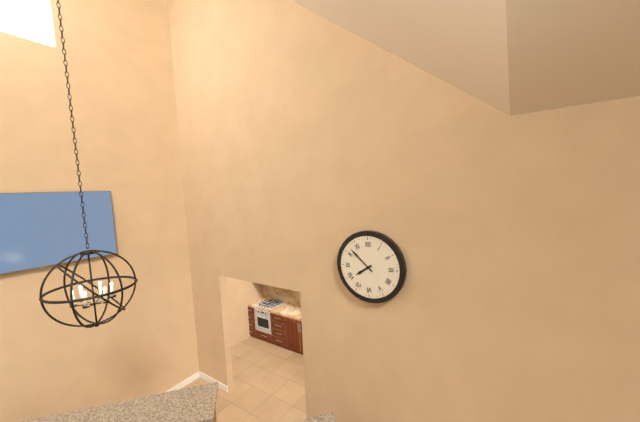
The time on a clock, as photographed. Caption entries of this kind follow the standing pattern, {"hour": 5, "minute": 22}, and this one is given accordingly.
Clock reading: {"hour": 7, "minute": 52}
